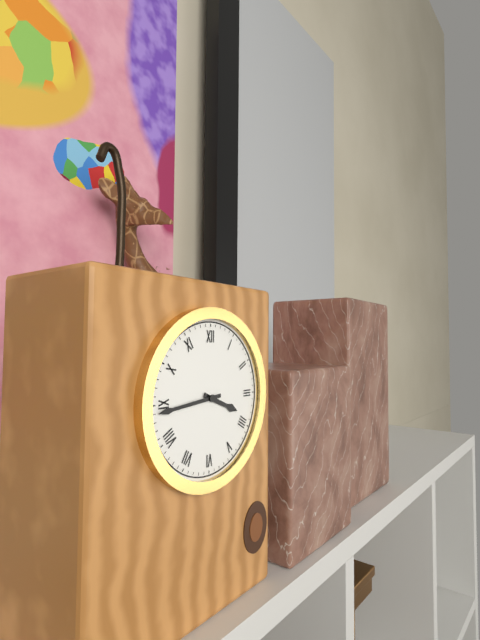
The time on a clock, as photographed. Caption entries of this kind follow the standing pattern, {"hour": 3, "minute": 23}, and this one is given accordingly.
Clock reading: {"hour": 3, "minute": 44}
